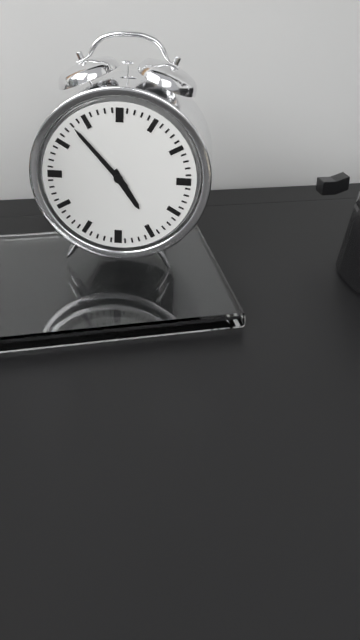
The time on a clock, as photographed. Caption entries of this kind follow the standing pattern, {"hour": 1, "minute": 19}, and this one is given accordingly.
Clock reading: {"hour": 4, "minute": 53}
